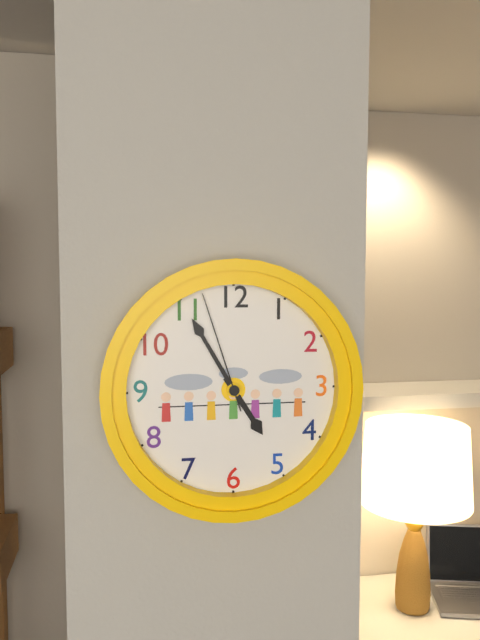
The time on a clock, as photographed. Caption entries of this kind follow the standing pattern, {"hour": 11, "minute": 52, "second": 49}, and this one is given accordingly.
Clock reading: {"hour": 4, "minute": 55, "second": 57}
